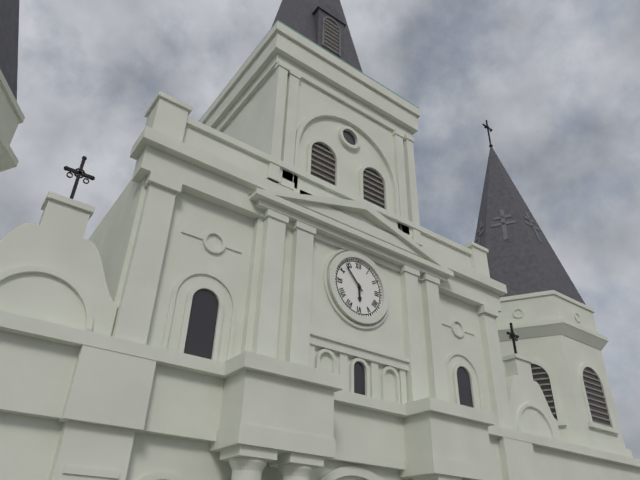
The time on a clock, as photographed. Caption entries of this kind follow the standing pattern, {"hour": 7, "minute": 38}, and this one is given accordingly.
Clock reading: {"hour": 5, "minute": 53}
